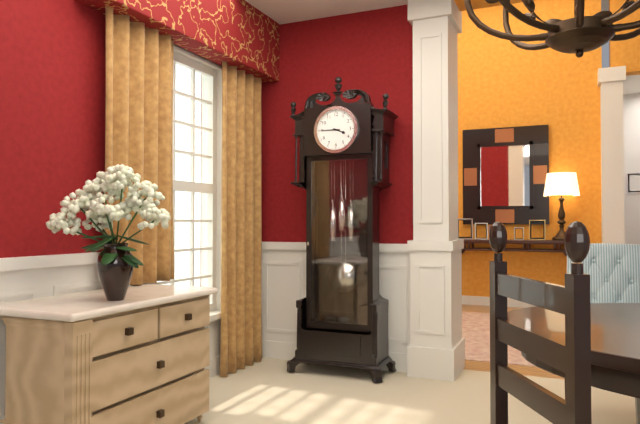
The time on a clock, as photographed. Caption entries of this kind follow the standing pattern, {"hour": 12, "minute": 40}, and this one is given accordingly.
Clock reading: {"hour": 3, "minute": 45}
